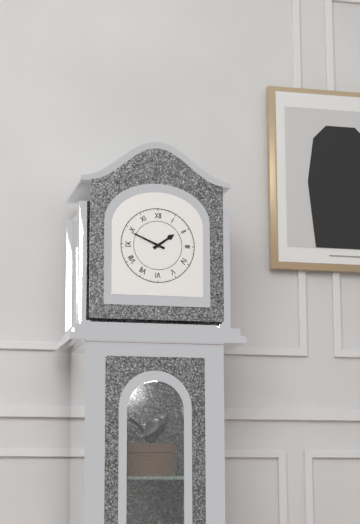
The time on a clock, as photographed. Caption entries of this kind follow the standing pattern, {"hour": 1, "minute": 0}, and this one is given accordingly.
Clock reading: {"hour": 1, "minute": 49}
